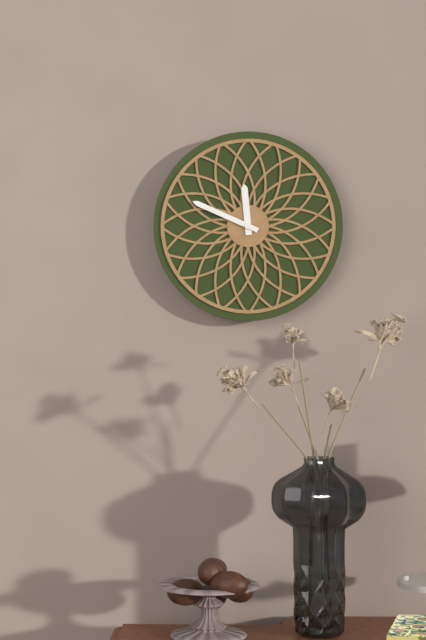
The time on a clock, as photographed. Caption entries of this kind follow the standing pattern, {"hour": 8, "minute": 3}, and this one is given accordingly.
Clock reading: {"hour": 11, "minute": 49}
